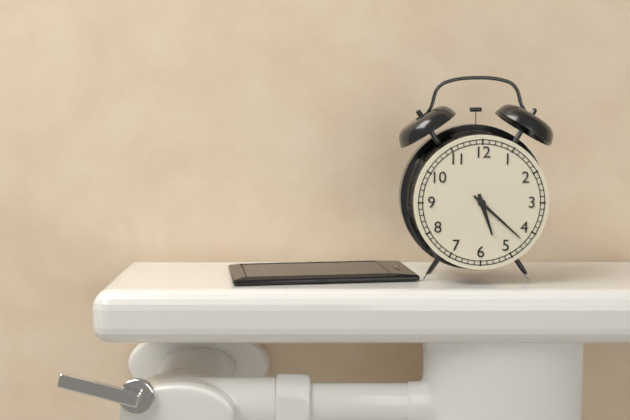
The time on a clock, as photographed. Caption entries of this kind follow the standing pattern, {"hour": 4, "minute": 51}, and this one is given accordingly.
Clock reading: {"hour": 5, "minute": 22}
